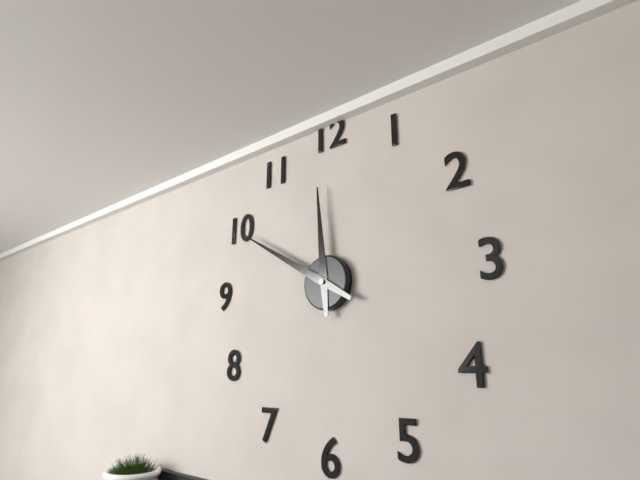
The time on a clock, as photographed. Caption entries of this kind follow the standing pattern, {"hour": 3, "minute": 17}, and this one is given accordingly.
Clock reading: {"hour": 11, "minute": 50}
